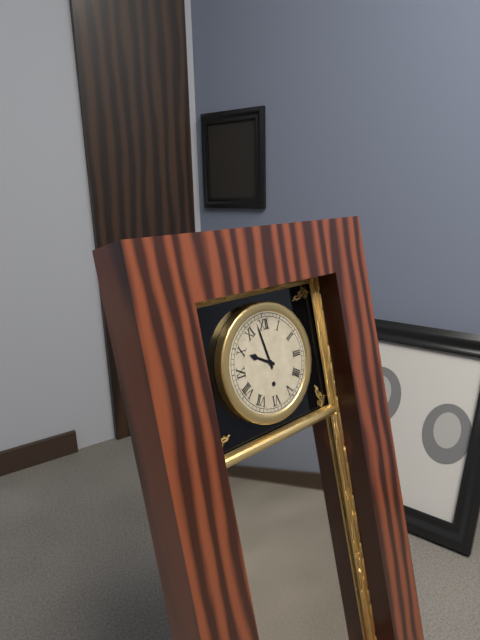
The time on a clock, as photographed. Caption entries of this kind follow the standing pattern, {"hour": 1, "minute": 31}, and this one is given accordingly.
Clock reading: {"hour": 9, "minute": 58}
